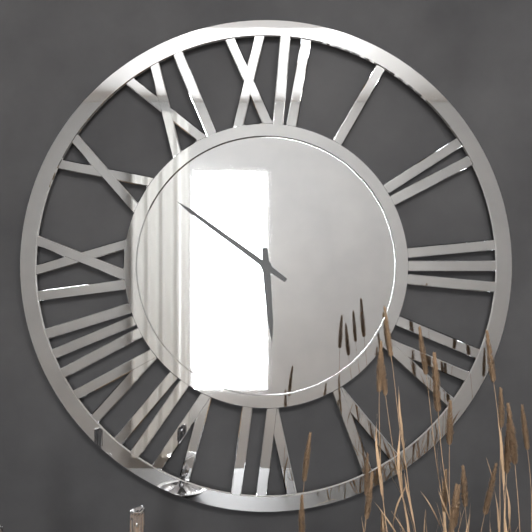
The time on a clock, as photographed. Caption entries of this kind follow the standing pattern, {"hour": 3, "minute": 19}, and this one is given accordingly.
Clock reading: {"hour": 5, "minute": 51}
